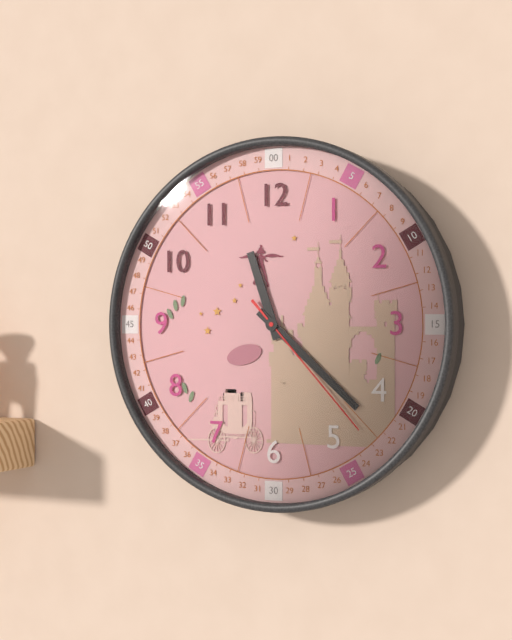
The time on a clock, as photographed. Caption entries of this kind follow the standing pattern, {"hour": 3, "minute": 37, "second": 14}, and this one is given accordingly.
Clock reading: {"hour": 11, "minute": 22, "second": 23}
